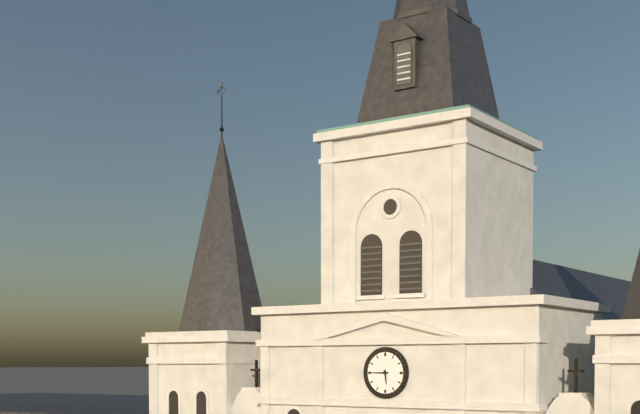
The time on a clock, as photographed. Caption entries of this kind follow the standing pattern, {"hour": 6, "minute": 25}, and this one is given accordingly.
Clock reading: {"hour": 5, "minute": 45}
